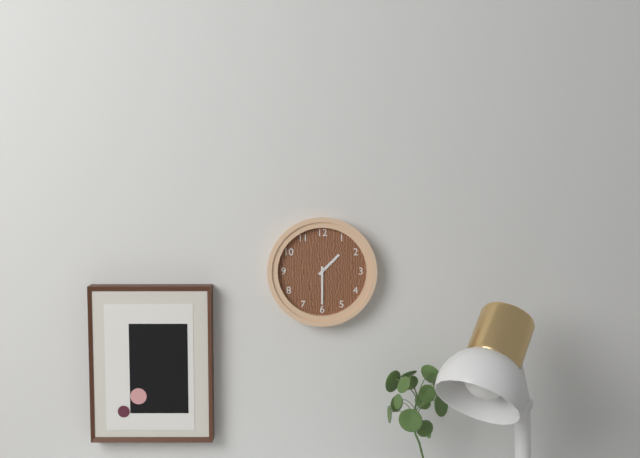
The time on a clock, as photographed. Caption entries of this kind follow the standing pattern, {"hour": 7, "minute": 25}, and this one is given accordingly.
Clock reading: {"hour": 1, "minute": 30}
